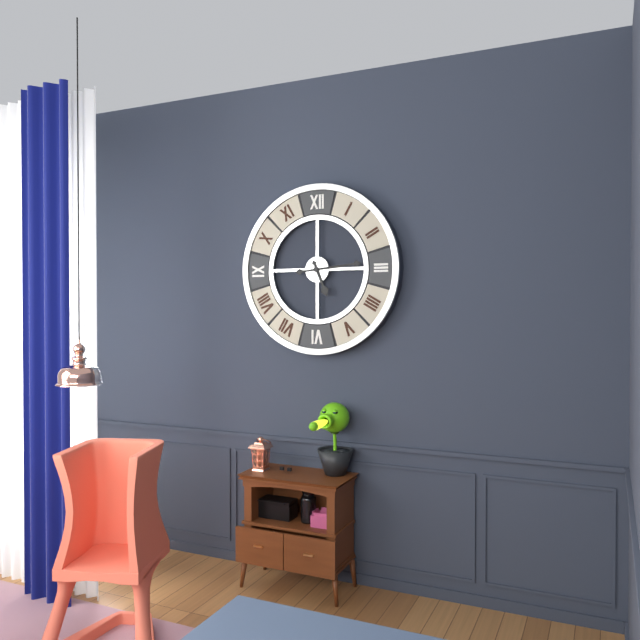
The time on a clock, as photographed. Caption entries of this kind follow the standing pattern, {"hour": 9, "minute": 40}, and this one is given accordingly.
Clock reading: {"hour": 5, "minute": 14}
